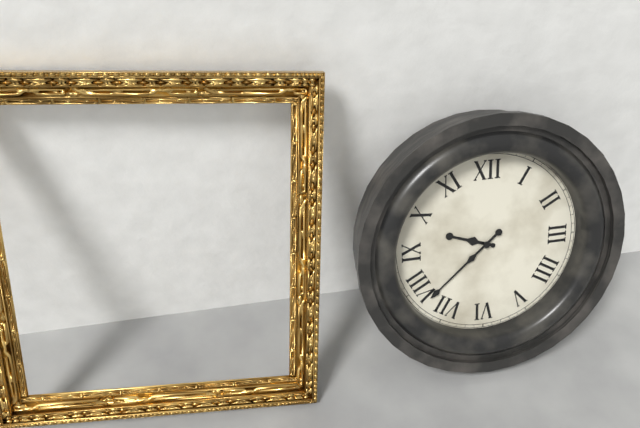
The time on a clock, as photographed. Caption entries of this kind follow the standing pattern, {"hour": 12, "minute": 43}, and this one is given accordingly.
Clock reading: {"hour": 9, "minute": 38}
